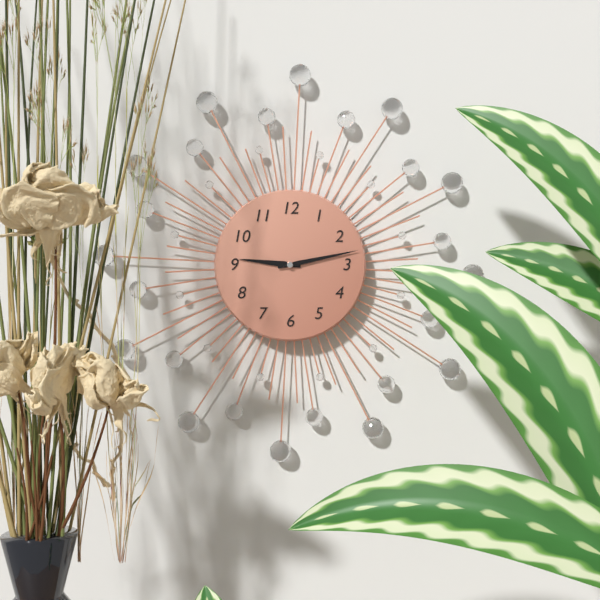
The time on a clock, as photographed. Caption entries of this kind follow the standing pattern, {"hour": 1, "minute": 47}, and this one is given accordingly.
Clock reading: {"hour": 9, "minute": 13}
